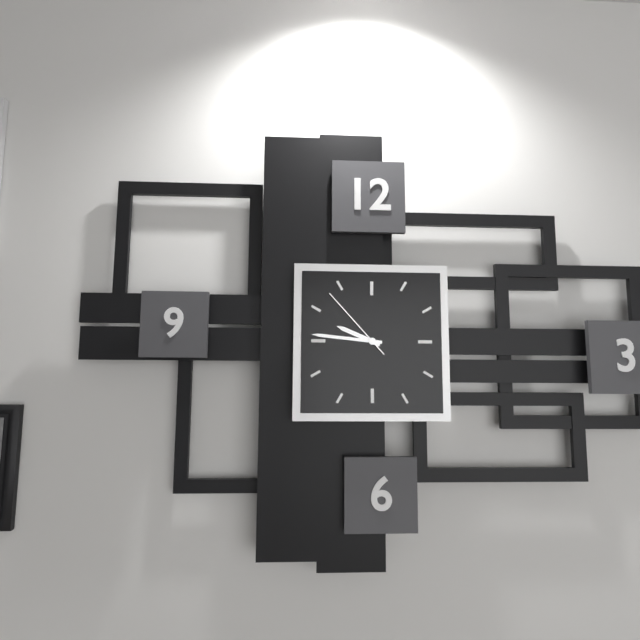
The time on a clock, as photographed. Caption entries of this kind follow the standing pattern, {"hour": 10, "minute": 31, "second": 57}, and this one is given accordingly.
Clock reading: {"hour": 9, "minute": 46, "second": 53}
